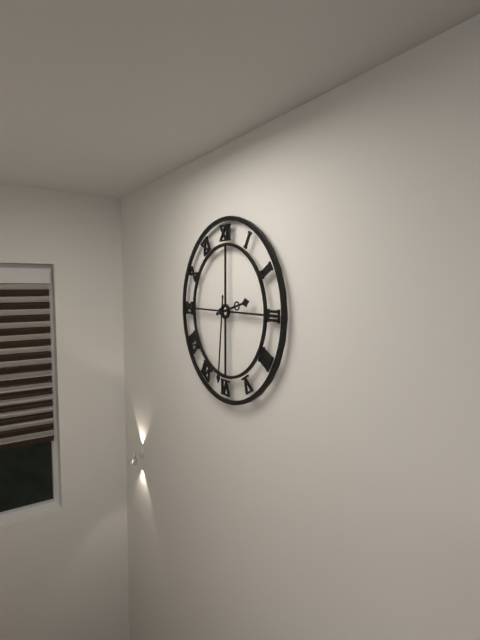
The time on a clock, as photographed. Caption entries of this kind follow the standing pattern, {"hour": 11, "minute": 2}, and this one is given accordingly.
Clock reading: {"hour": 2, "minute": 31}
